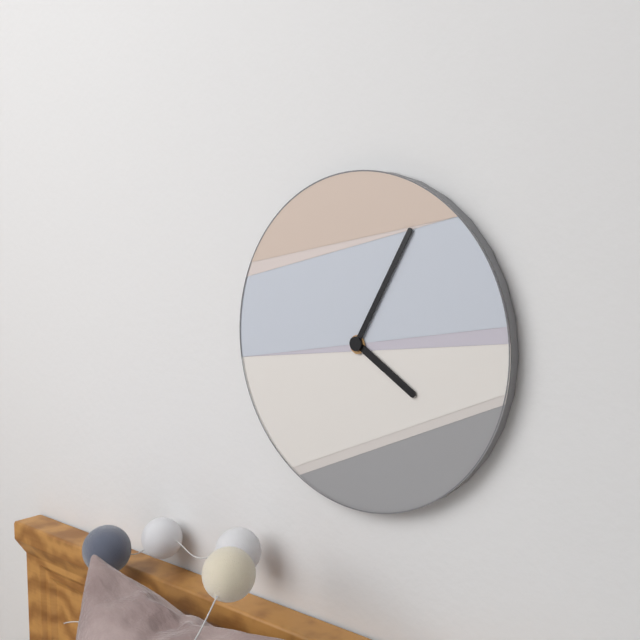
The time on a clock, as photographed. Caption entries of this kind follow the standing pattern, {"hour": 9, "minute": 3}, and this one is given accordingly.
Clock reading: {"hour": 4, "minute": 5}
